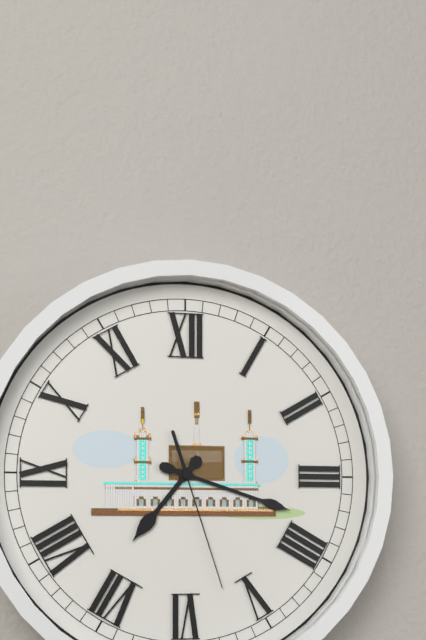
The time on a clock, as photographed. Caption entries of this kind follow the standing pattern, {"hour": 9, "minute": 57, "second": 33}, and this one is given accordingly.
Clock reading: {"hour": 7, "minute": 18, "second": 27}
